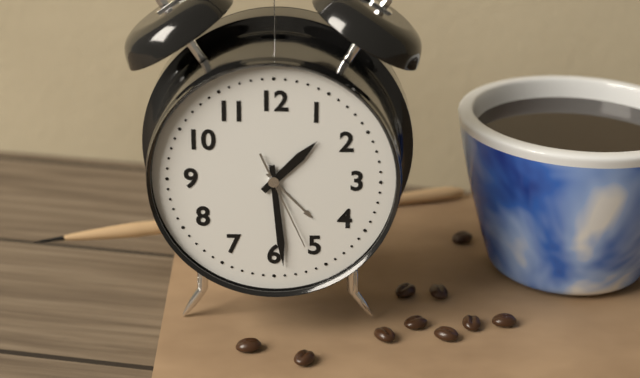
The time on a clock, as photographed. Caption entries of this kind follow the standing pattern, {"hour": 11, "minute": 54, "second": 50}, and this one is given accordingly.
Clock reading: {"hour": 1, "minute": 29, "second": 26}
